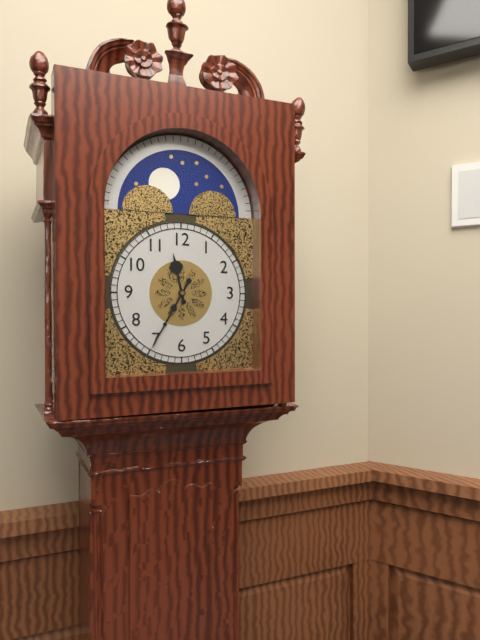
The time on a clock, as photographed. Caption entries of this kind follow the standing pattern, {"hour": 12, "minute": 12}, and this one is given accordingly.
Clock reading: {"hour": 11, "minute": 35}
